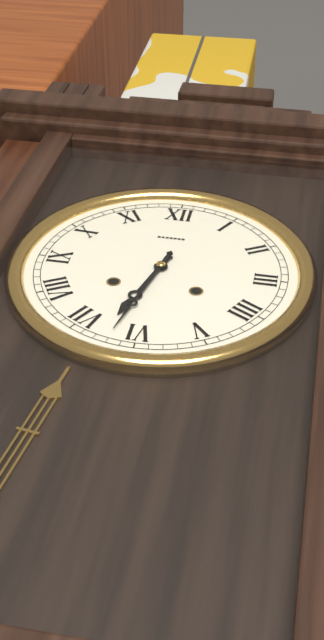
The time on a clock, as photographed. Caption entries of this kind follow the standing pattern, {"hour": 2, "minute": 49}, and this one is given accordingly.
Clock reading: {"hour": 6, "minute": 32}
